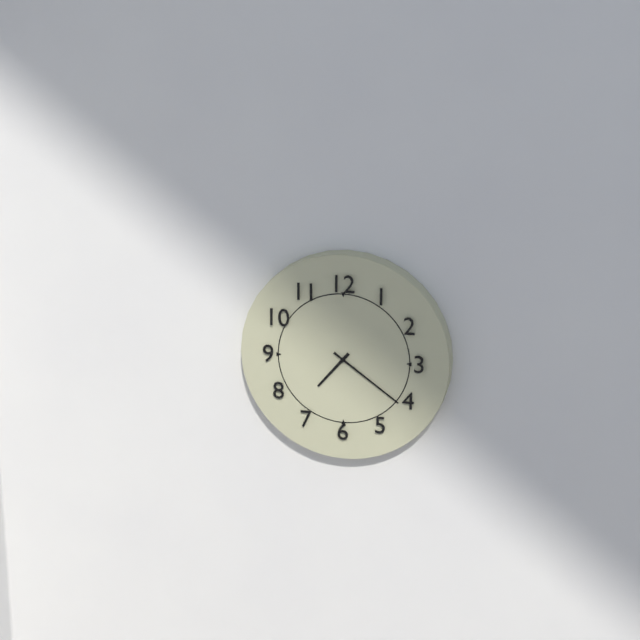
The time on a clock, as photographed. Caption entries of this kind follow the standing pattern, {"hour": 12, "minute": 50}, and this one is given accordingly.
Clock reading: {"hour": 7, "minute": 21}
